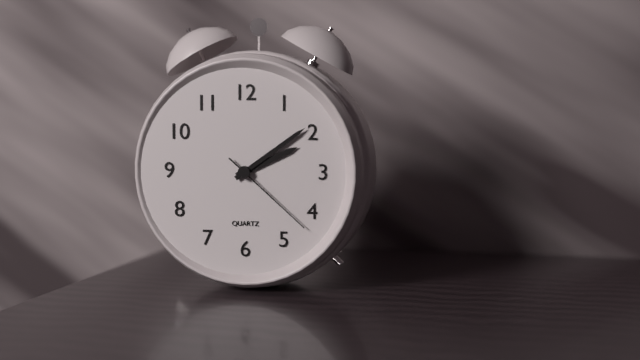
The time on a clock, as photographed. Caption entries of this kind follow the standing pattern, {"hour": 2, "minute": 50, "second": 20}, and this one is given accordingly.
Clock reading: {"hour": 2, "minute": 9, "second": 22}
